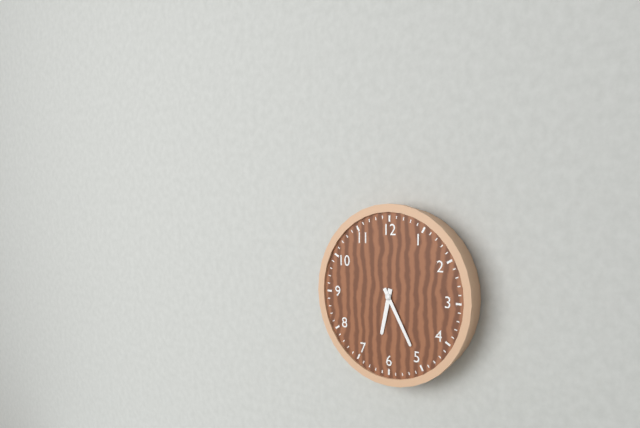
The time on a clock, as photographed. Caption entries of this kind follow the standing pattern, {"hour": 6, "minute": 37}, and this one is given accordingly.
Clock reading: {"hour": 6, "minute": 25}
